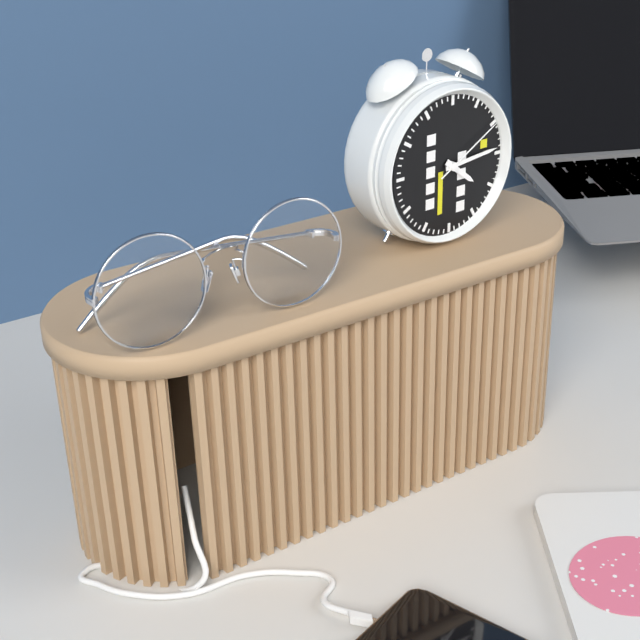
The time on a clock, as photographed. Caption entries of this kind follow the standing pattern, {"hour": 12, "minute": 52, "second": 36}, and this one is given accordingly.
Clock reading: {"hour": 4, "minute": 14, "second": 10}
